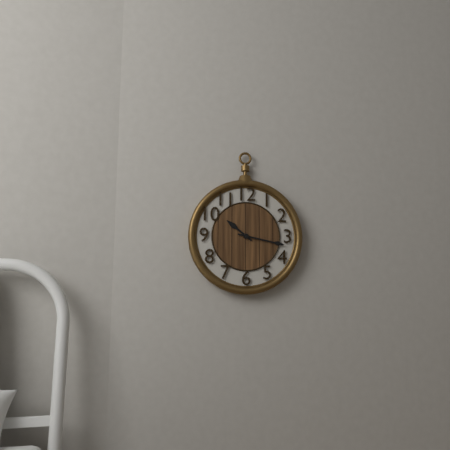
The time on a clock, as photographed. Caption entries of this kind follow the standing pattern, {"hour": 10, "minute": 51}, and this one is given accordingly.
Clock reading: {"hour": 10, "minute": 17}
